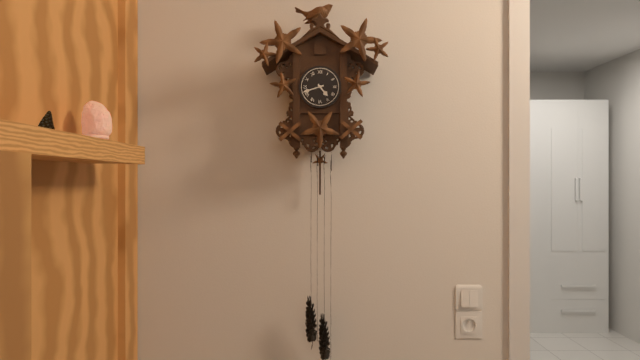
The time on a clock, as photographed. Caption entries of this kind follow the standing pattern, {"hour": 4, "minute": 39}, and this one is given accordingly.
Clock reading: {"hour": 4, "minute": 42}
